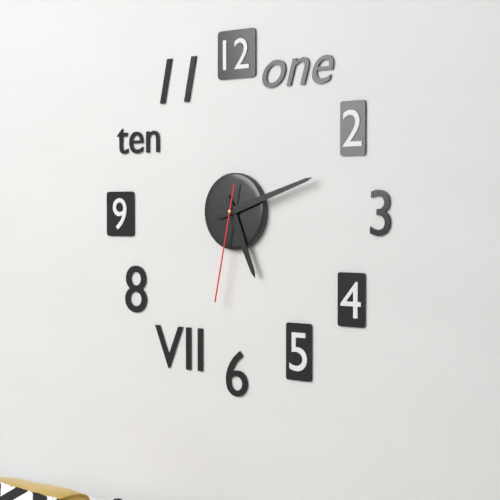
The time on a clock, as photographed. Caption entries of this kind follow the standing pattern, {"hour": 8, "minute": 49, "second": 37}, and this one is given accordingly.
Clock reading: {"hour": 5, "minute": 12, "second": 32}
